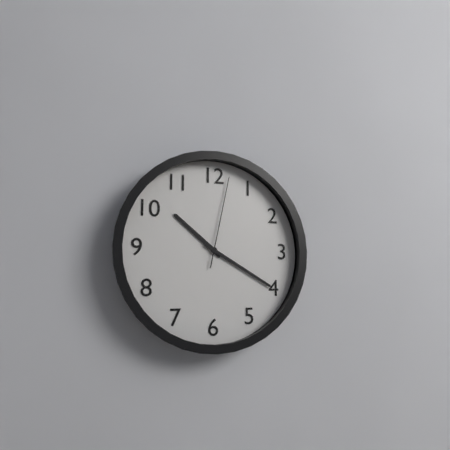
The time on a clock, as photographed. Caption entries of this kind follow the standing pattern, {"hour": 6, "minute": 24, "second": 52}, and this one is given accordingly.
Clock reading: {"hour": 10, "minute": 20, "second": 2}
